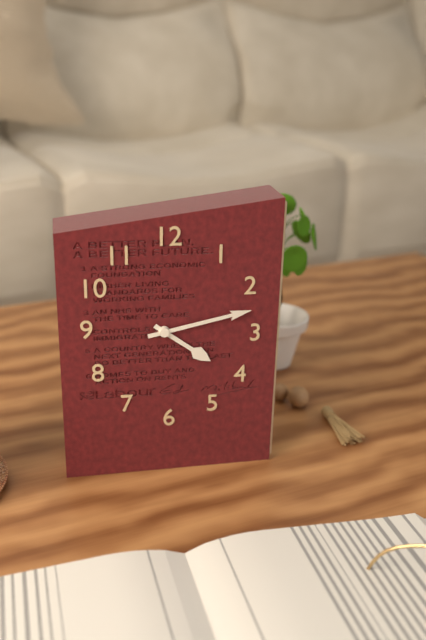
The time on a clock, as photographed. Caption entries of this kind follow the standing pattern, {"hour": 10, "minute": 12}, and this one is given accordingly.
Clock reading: {"hour": 4, "minute": 13}
